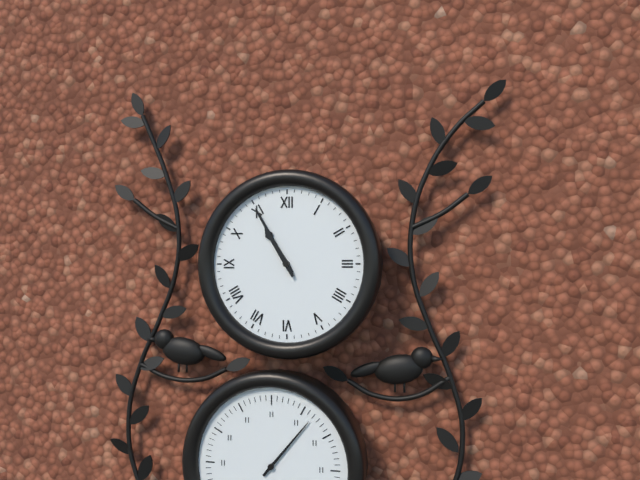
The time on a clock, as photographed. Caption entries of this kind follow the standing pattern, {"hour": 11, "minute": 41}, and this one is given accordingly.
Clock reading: {"hour": 10, "minute": 55}
